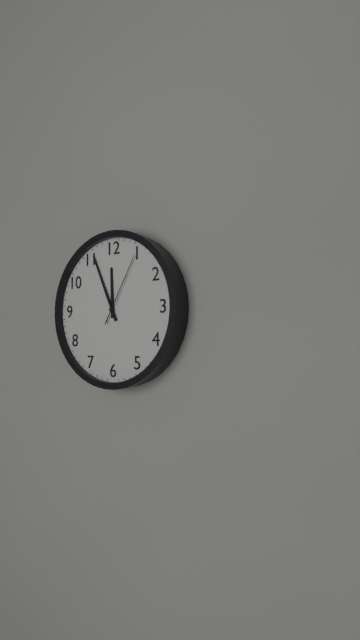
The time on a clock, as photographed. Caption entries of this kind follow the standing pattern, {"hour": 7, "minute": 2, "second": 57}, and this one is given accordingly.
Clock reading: {"hour": 11, "minute": 56, "second": 5}
